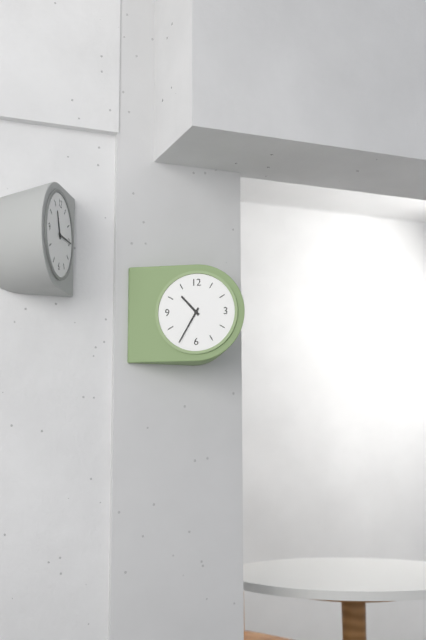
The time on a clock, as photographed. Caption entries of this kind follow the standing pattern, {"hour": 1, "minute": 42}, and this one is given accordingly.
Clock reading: {"hour": 10, "minute": 35}
